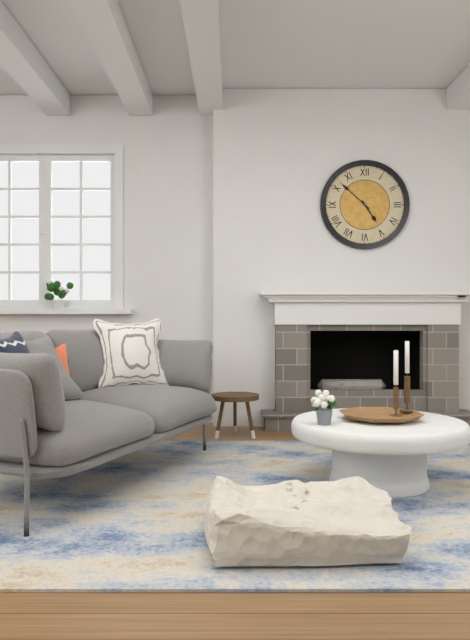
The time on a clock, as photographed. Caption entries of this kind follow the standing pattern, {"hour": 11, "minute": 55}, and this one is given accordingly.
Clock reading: {"hour": 4, "minute": 52}
